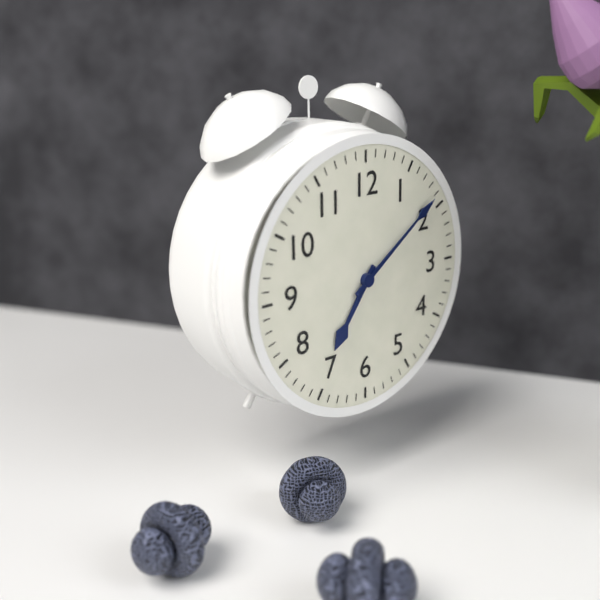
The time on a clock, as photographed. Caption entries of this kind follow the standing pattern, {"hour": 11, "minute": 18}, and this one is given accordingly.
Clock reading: {"hour": 7, "minute": 9}
